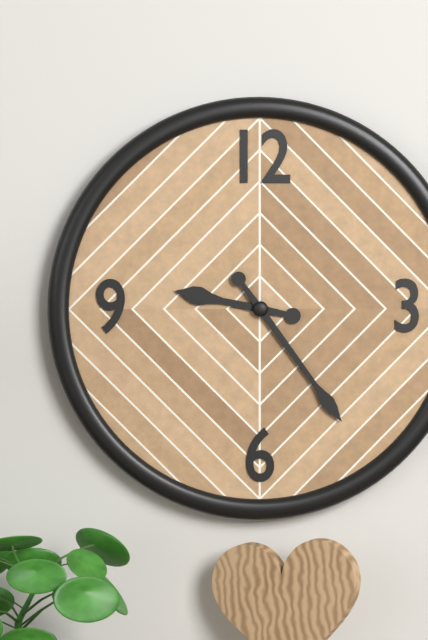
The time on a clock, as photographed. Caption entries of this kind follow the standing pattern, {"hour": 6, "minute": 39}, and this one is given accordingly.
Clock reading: {"hour": 9, "minute": 24}
